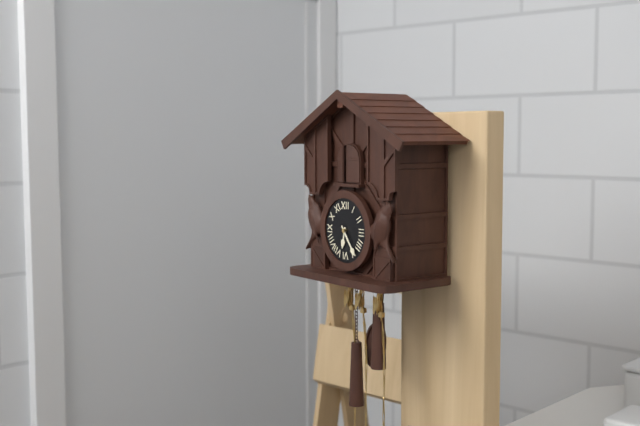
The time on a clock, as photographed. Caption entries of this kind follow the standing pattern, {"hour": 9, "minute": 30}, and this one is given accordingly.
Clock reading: {"hour": 6, "minute": 24}
